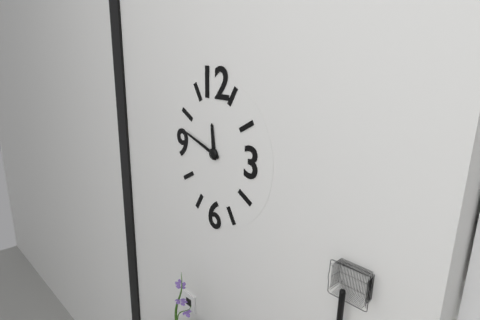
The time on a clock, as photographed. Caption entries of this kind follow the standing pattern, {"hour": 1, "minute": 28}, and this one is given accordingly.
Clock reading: {"hour": 11, "minute": 48}
